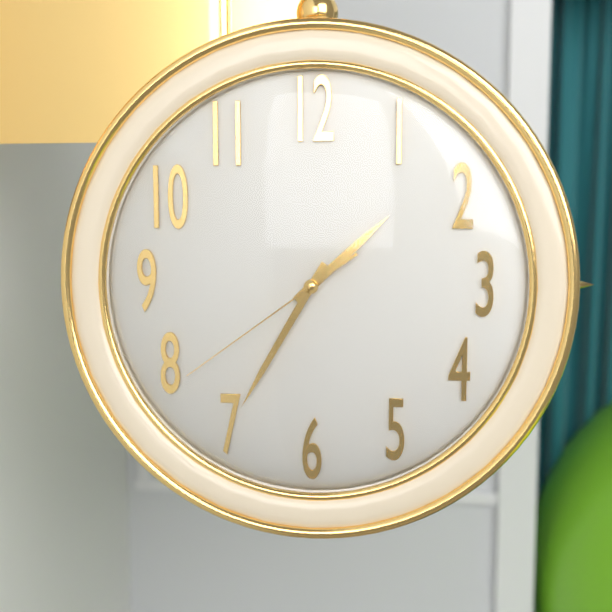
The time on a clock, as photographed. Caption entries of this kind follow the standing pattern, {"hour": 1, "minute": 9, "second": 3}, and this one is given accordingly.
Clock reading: {"hour": 1, "minute": 35, "second": 39}
